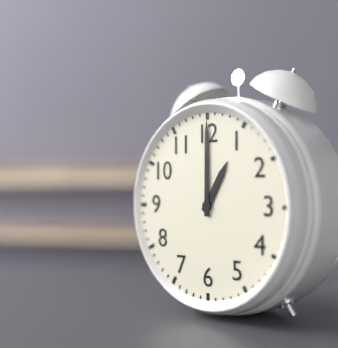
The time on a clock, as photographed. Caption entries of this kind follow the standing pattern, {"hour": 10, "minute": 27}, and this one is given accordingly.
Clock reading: {"hour": 1, "minute": 0}
